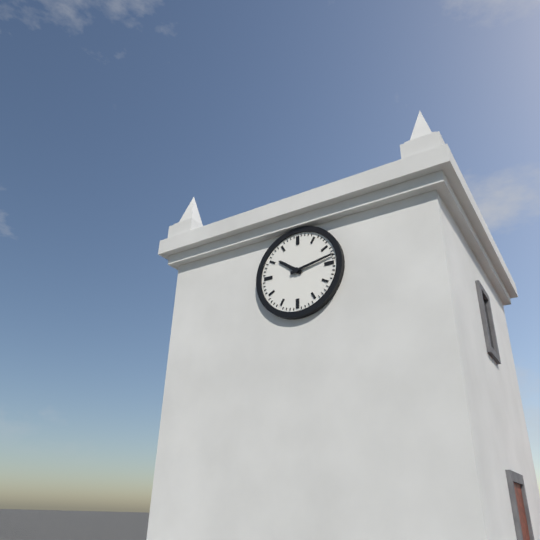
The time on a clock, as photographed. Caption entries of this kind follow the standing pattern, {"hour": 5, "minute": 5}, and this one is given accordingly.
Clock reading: {"hour": 10, "minute": 13}
